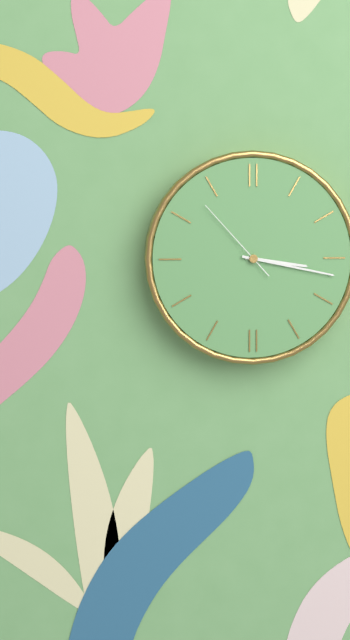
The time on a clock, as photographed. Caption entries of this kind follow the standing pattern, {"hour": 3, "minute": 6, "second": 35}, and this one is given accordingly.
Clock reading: {"hour": 3, "minute": 17, "second": 53}
